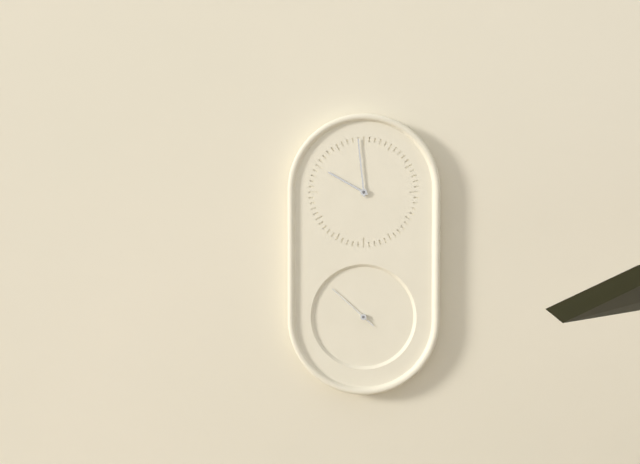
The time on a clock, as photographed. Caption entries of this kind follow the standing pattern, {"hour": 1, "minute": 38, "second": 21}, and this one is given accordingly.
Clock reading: {"hour": 9, "minute": 59, "second": 52}
